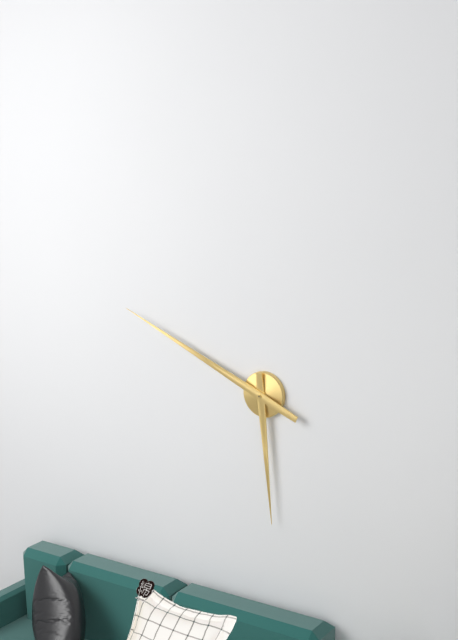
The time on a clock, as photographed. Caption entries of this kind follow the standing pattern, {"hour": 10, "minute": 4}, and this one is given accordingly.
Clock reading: {"hour": 5, "minute": 49}
